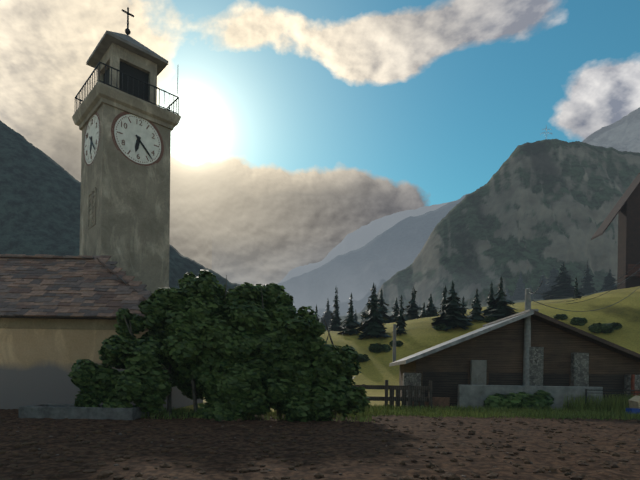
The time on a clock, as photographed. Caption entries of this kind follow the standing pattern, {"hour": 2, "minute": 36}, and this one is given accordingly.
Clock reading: {"hour": 6, "minute": 23}
